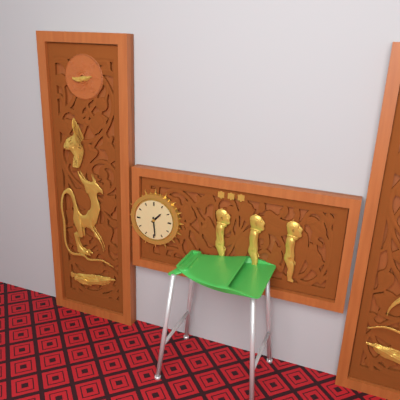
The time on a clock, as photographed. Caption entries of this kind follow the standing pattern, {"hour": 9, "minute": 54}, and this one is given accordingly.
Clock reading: {"hour": 1, "minute": 29}
